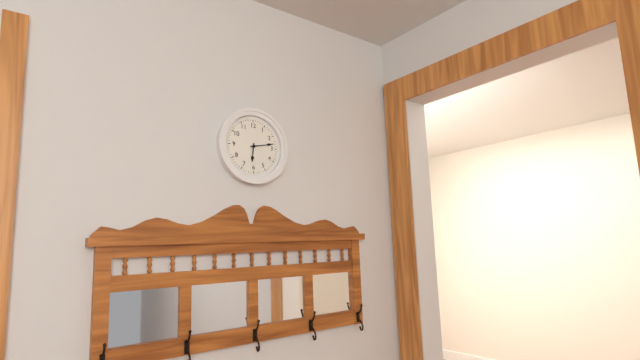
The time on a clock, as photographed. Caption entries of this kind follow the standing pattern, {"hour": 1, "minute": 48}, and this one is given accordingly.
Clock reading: {"hour": 6, "minute": 13}
